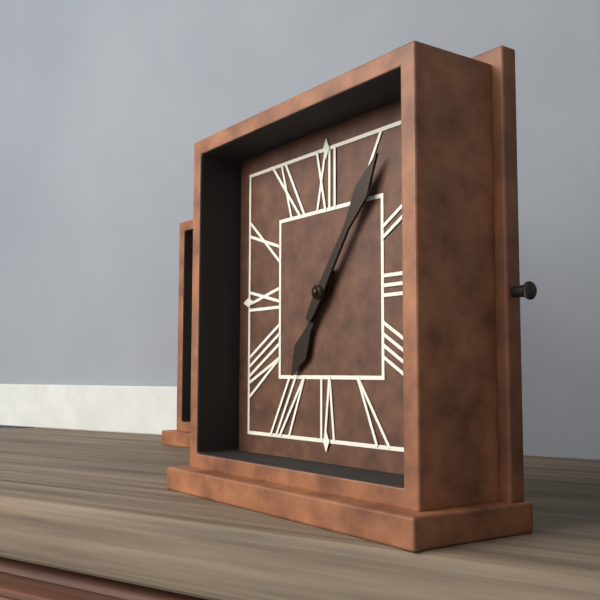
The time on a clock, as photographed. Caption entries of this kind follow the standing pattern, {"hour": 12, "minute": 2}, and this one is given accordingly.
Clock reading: {"hour": 7, "minute": 6}
